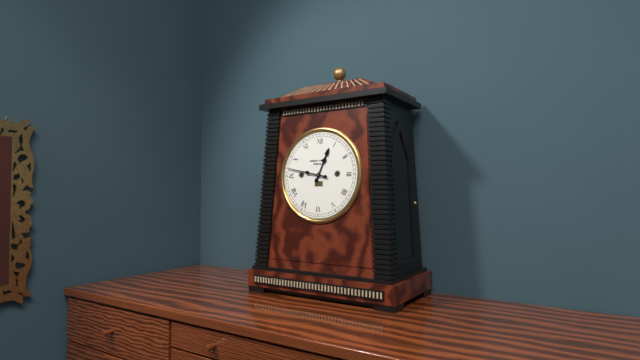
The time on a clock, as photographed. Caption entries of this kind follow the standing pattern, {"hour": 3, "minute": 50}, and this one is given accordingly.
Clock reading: {"hour": 12, "minute": 47}
